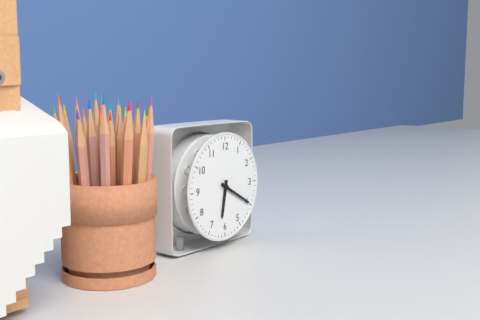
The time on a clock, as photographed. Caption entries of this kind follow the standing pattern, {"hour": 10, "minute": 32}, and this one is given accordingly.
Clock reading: {"hour": 6, "minute": 20}
